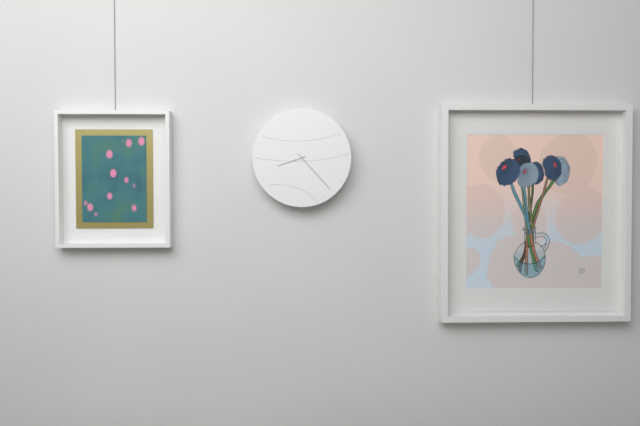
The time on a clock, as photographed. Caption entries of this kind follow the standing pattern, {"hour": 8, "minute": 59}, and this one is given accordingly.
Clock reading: {"hour": 8, "minute": 23}
